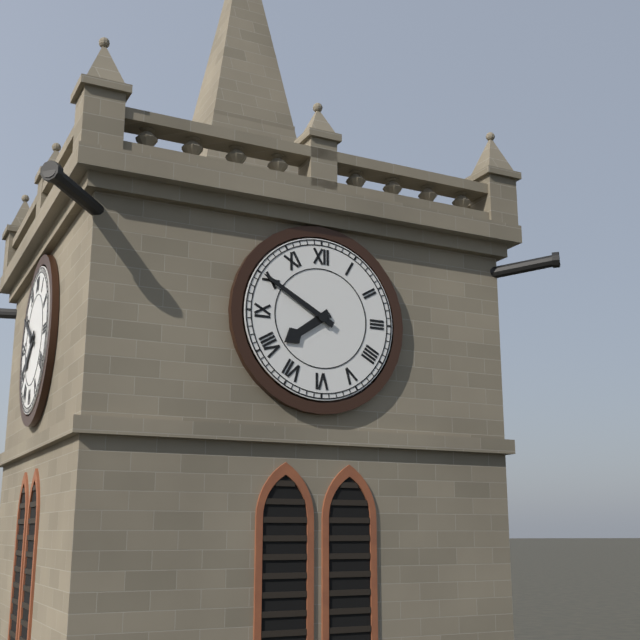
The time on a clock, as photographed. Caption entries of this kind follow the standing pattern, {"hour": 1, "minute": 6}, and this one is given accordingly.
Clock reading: {"hour": 7, "minute": 50}
